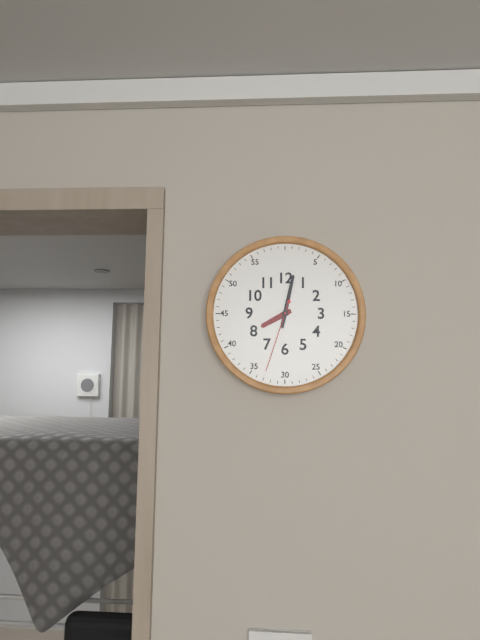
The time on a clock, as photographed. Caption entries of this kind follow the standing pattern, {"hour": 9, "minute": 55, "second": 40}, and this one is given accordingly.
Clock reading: {"hour": 8, "minute": 2, "second": 33}
